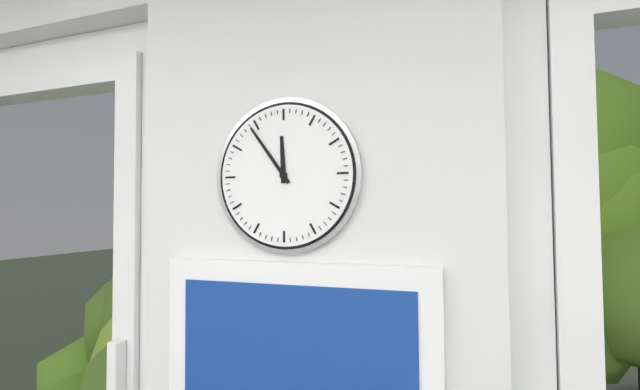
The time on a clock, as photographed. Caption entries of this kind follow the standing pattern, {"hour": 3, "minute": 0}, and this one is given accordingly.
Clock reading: {"hour": 11, "minute": 54}
